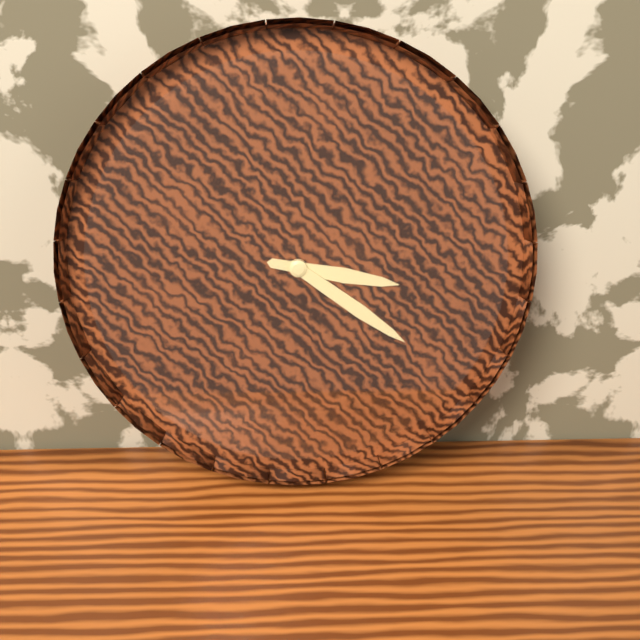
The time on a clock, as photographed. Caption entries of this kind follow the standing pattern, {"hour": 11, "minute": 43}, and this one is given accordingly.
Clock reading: {"hour": 3, "minute": 21}
